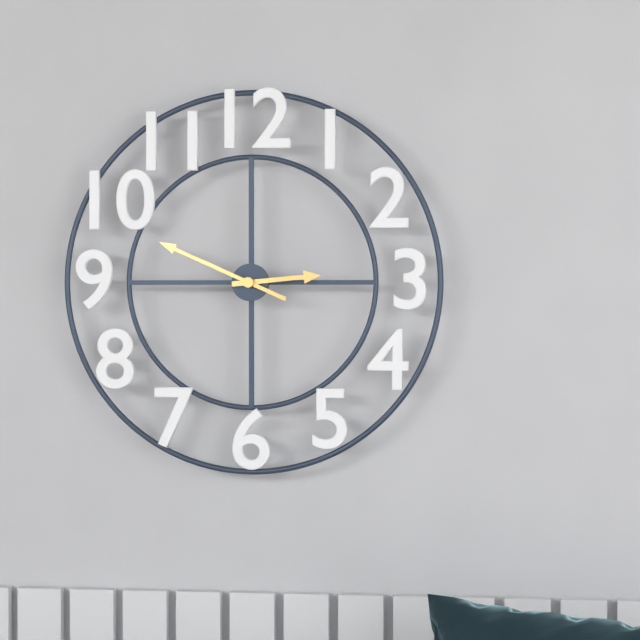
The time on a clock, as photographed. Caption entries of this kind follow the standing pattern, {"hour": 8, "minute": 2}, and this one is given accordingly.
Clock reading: {"hour": 2, "minute": 49}
